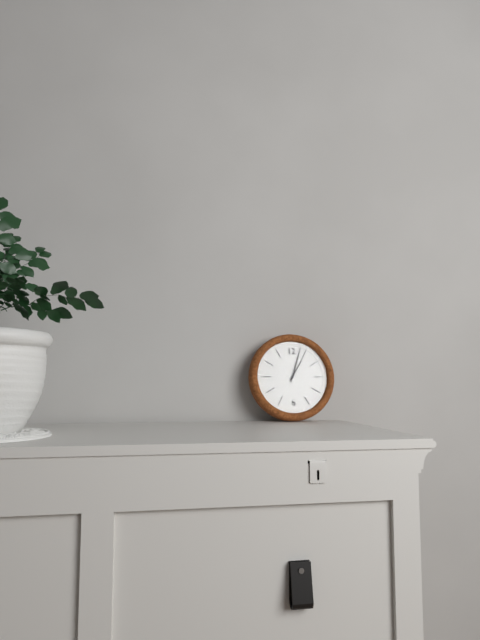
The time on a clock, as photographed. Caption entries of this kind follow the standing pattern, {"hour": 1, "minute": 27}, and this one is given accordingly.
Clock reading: {"hour": 1, "minute": 3}
